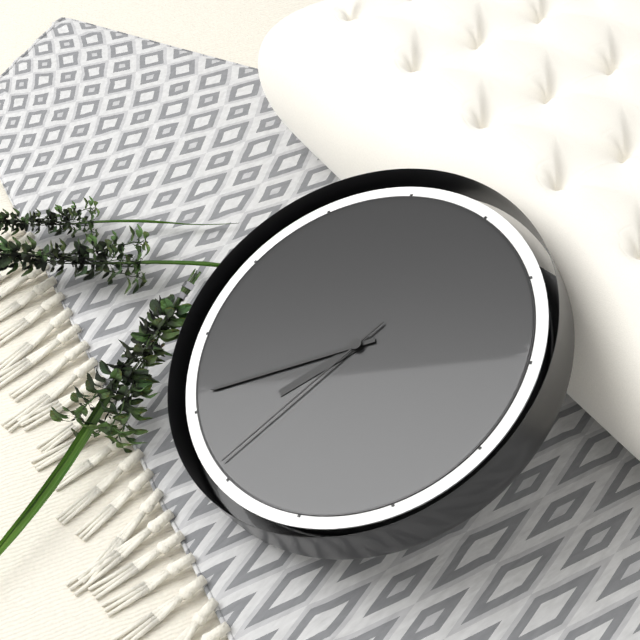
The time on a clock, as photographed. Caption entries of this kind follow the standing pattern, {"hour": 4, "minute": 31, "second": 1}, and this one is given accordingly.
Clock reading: {"hour": 6, "minute": 36, "second": 31}
